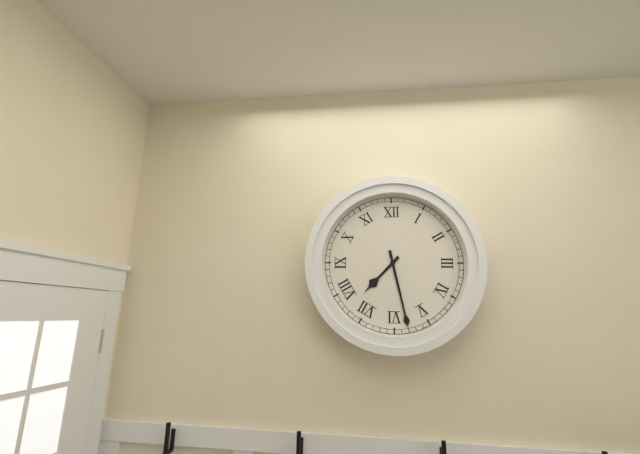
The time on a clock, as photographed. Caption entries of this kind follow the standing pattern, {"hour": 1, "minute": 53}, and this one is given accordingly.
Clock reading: {"hour": 7, "minute": 28}
